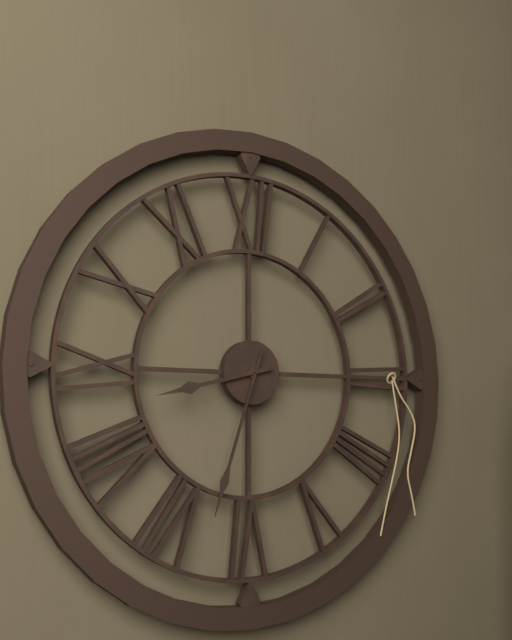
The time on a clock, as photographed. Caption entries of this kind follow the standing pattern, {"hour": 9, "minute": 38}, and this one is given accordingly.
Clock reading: {"hour": 8, "minute": 33}
